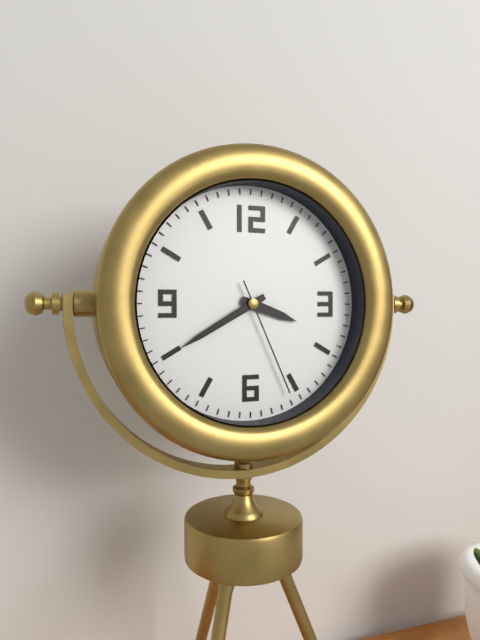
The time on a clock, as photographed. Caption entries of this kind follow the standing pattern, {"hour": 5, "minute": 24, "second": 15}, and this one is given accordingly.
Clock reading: {"hour": 3, "minute": 40, "second": 26}
